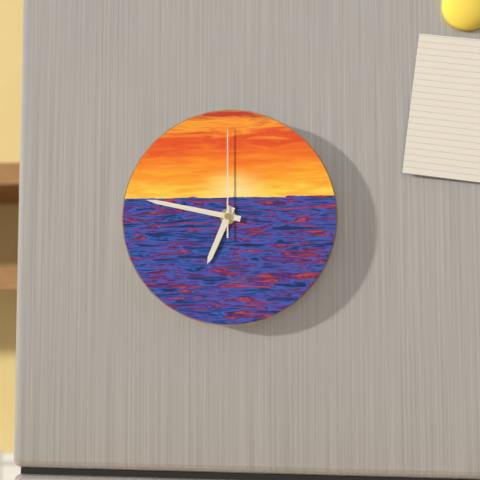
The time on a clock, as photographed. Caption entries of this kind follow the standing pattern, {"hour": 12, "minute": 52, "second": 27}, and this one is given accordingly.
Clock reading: {"hour": 6, "minute": 47, "second": 0}
